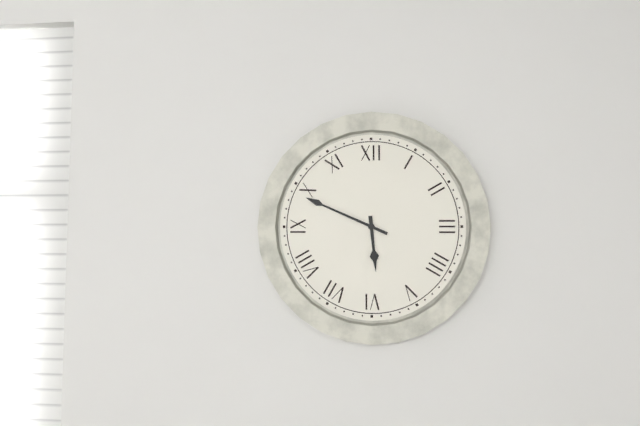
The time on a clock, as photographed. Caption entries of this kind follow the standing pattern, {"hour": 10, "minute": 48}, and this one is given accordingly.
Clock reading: {"hour": 5, "minute": 49}
